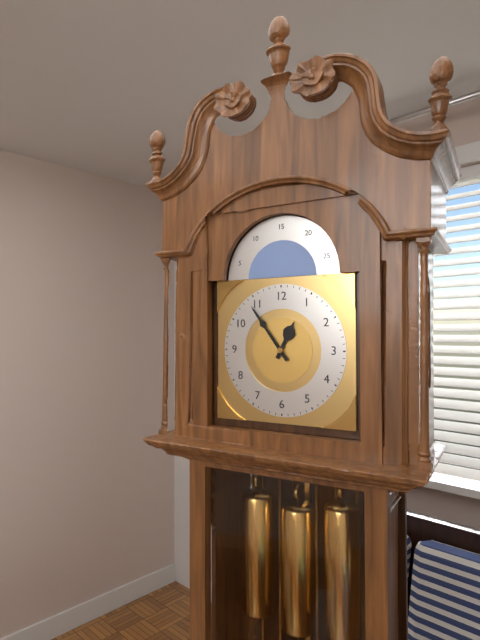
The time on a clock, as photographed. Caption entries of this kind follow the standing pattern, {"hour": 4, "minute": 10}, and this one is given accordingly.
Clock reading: {"hour": 12, "minute": 54}
